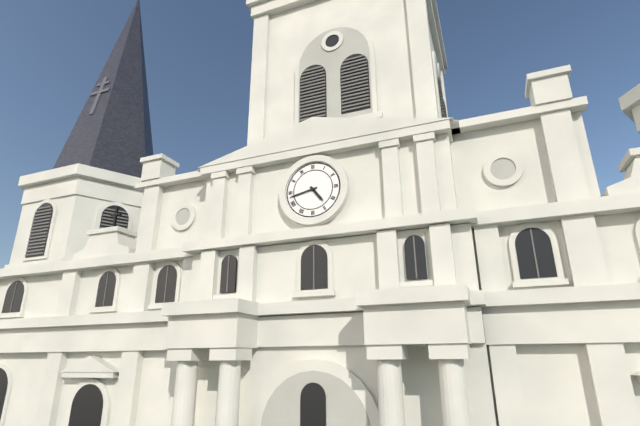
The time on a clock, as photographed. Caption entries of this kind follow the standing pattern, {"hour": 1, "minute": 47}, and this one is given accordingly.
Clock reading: {"hour": 4, "minute": 43}
